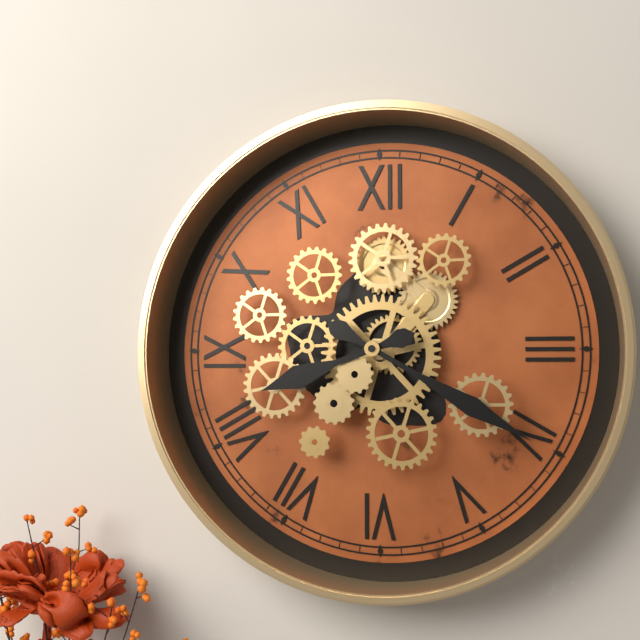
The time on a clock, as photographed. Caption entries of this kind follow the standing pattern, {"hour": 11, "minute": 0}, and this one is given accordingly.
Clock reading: {"hour": 8, "minute": 20}
